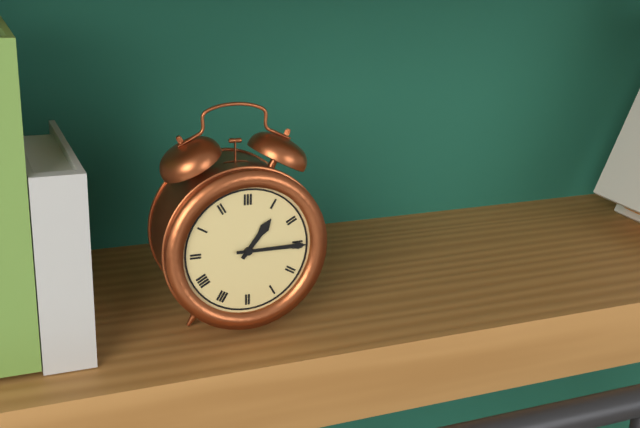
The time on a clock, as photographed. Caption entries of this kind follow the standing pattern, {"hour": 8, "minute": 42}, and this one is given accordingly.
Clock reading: {"hour": 1, "minute": 15}
